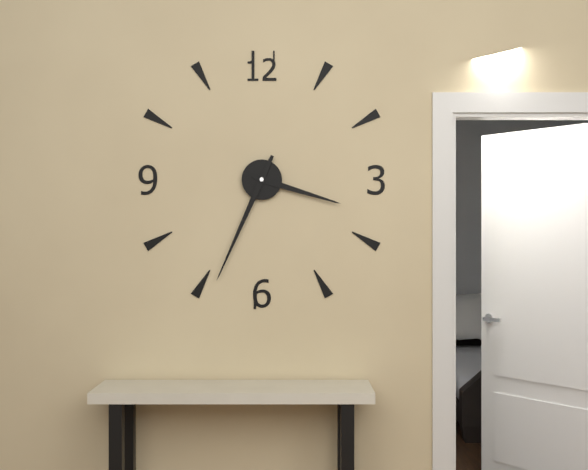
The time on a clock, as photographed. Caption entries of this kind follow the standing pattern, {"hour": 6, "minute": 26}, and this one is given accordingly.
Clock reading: {"hour": 3, "minute": 34}
